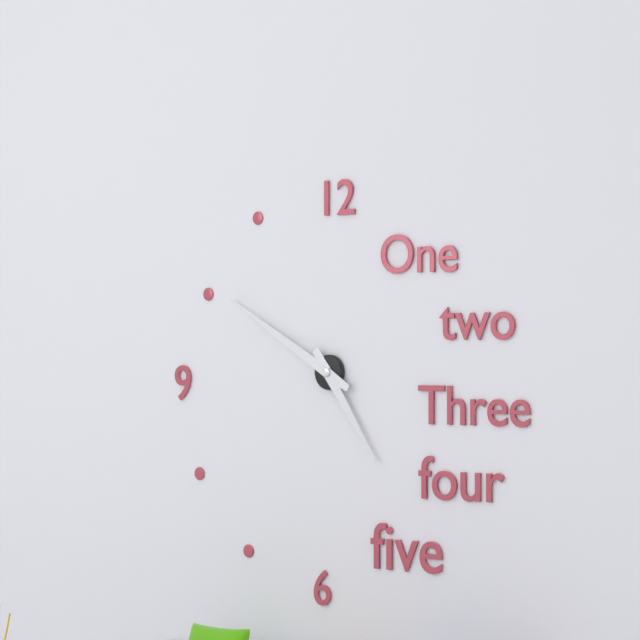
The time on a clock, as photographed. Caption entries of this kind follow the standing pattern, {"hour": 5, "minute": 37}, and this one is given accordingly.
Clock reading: {"hour": 4, "minute": 50}
